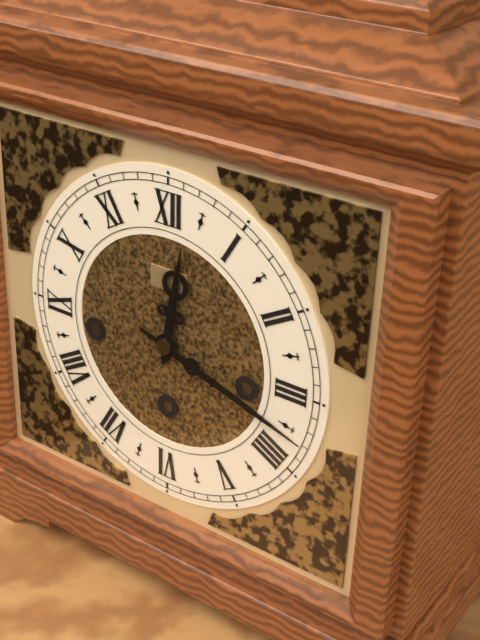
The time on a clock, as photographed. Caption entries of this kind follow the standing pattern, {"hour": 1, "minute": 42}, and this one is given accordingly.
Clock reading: {"hour": 12, "minute": 18}
